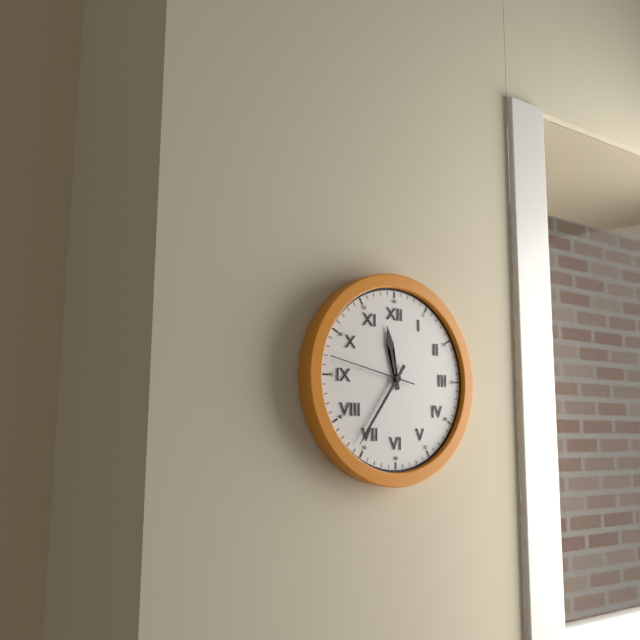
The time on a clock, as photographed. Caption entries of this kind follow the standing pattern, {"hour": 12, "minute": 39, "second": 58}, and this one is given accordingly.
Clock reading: {"hour": 11, "minute": 36, "second": 47}
